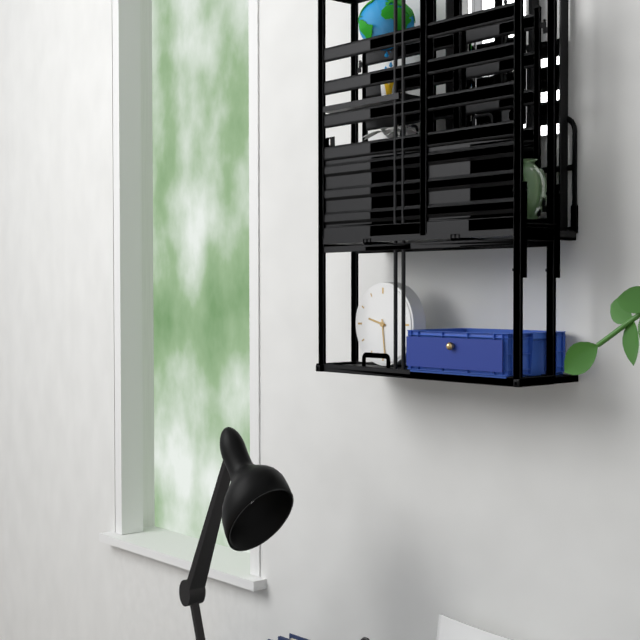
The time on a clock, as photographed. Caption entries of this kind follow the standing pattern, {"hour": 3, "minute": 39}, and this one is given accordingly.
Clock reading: {"hour": 9, "minute": 29}
